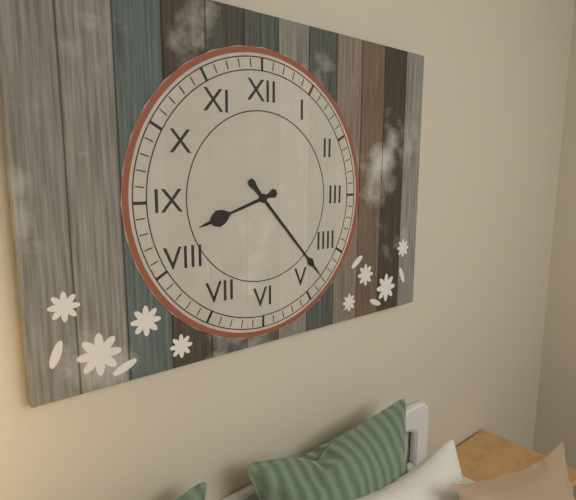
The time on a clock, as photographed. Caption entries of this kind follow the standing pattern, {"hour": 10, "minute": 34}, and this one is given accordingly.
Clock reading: {"hour": 8, "minute": 23}
